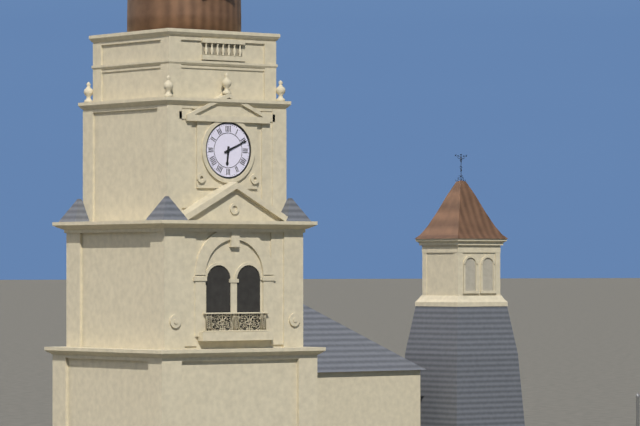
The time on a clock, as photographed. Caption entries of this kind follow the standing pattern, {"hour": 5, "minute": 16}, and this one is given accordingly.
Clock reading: {"hour": 6, "minute": 11}
